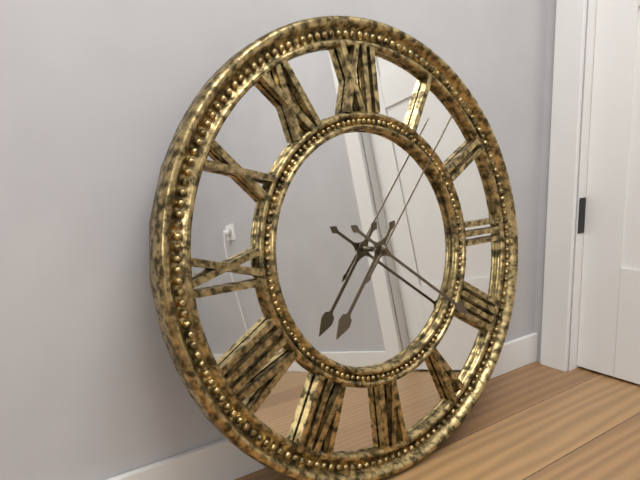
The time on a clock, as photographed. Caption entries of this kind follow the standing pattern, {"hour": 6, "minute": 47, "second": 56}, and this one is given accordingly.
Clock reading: {"hour": 7, "minute": 21, "second": 7}
